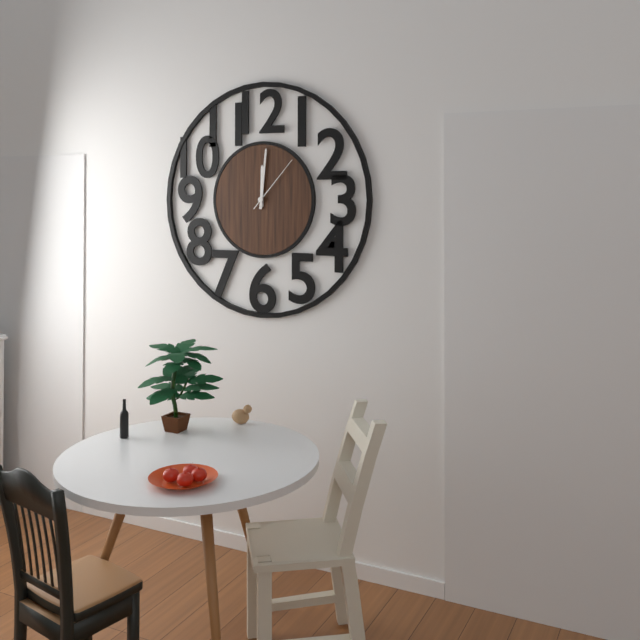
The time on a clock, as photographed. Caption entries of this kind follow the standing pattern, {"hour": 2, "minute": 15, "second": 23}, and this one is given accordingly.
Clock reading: {"hour": 12, "minute": 1, "second": 7}
